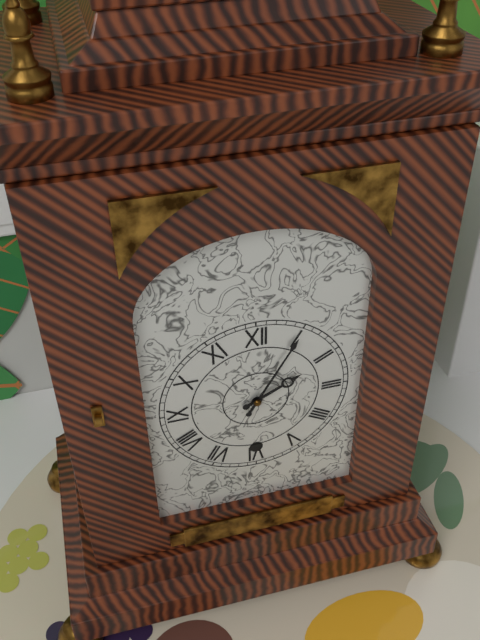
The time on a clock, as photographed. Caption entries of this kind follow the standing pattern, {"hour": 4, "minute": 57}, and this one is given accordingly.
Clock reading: {"hour": 2, "minute": 5}
